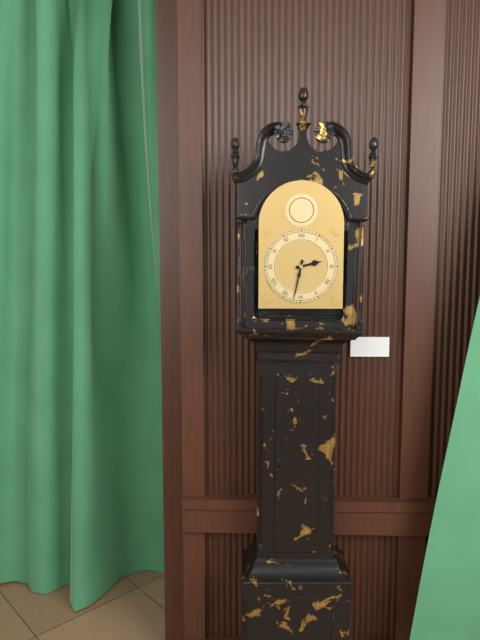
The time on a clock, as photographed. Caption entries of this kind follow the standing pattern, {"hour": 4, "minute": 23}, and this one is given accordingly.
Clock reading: {"hour": 2, "minute": 32}
